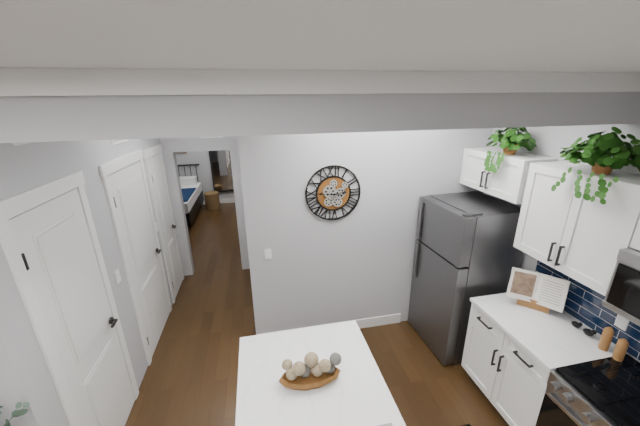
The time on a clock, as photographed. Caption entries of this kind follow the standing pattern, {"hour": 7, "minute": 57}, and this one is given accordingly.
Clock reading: {"hour": 2, "minute": 46}
